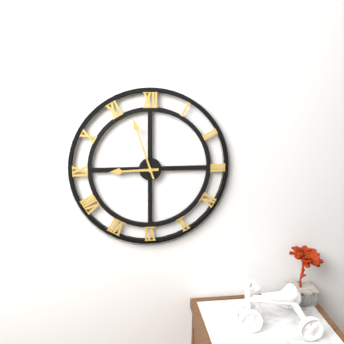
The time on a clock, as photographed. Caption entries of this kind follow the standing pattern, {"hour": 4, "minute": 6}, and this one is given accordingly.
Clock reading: {"hour": 8, "minute": 57}
